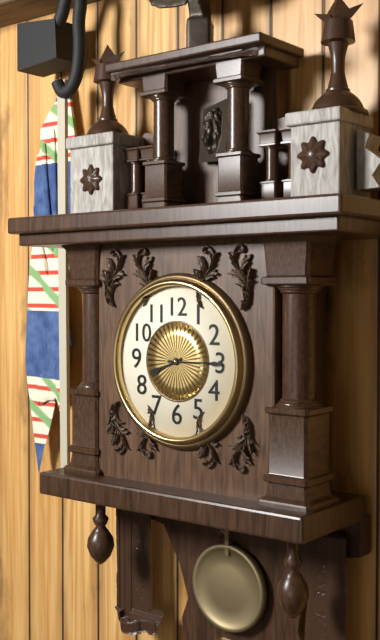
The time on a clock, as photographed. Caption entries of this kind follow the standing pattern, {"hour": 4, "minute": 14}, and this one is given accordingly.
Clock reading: {"hour": 8, "minute": 15}
